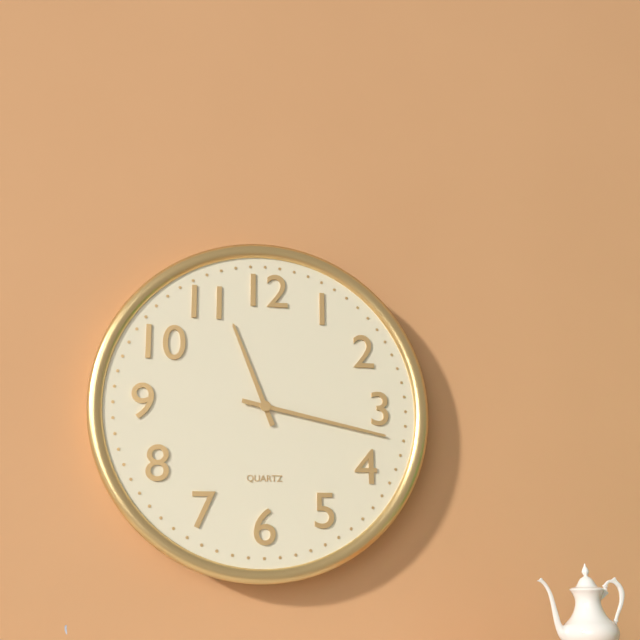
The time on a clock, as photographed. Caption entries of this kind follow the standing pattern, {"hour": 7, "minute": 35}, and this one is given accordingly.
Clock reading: {"hour": 11, "minute": 17}
